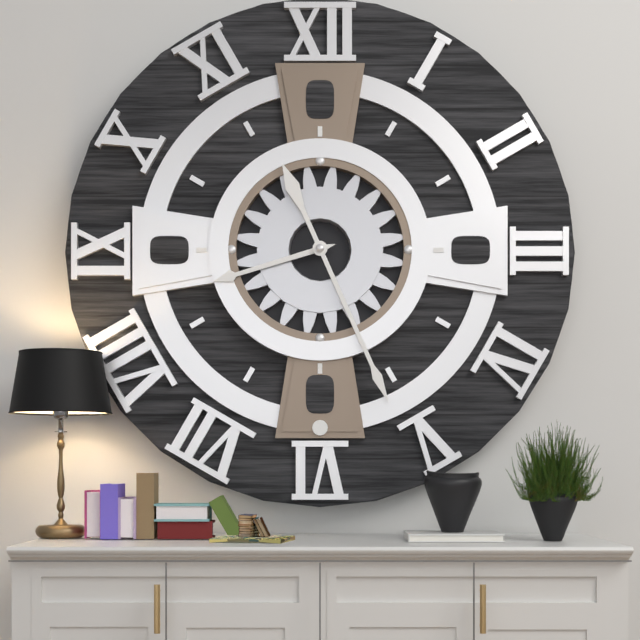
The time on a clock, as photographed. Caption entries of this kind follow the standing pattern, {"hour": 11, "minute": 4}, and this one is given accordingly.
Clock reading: {"hour": 8, "minute": 26}
